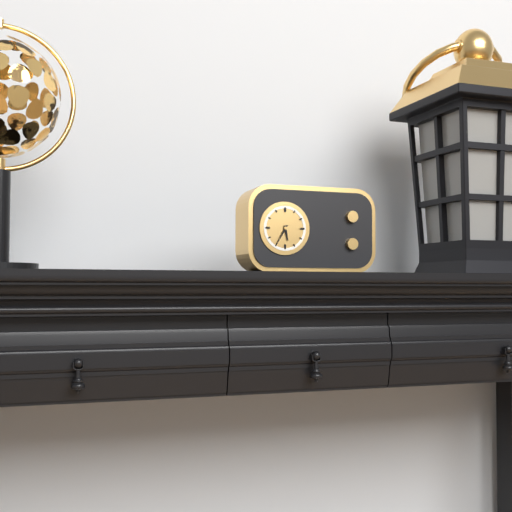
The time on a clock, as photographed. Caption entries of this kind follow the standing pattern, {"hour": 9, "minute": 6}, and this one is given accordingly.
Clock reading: {"hour": 5, "minute": 35}
